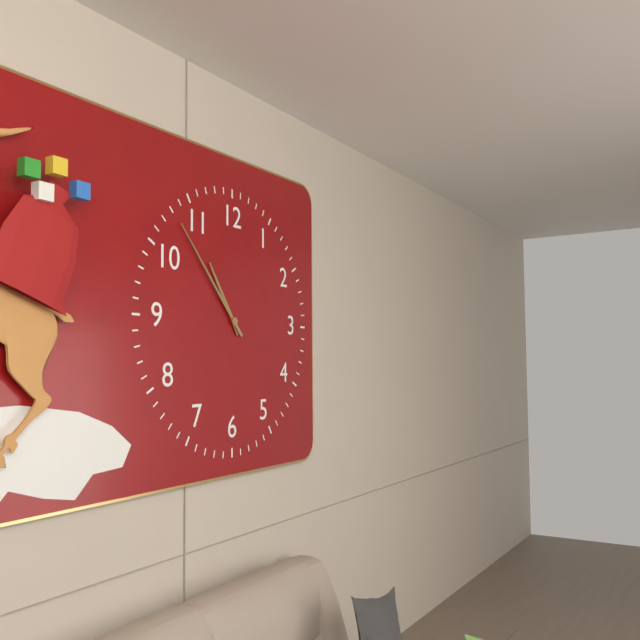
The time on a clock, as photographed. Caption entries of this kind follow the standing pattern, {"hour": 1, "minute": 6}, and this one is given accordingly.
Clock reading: {"hour": 10, "minute": 53}
